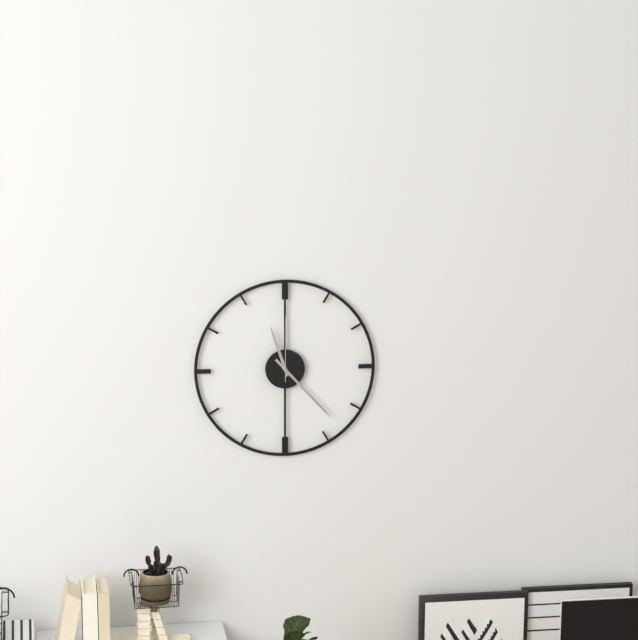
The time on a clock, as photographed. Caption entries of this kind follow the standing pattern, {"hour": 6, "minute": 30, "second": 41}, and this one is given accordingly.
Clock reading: {"hour": 11, "minute": 23, "second": 0}
